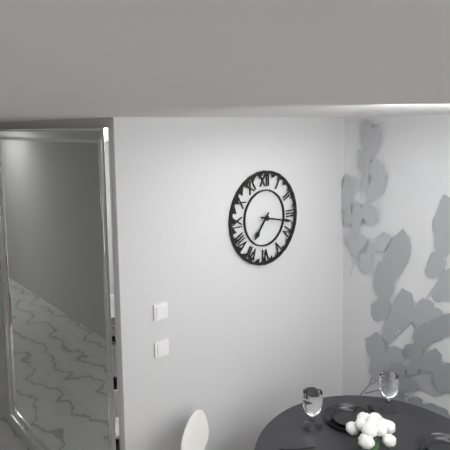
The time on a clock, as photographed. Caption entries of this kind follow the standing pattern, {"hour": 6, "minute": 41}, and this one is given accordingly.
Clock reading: {"hour": 7, "minute": 17}
